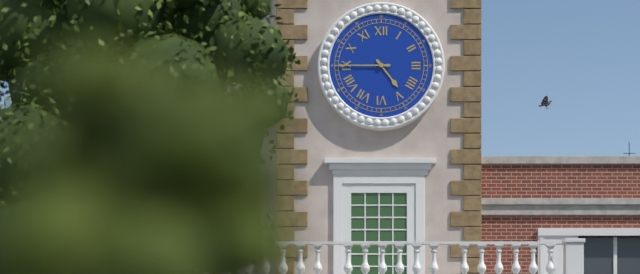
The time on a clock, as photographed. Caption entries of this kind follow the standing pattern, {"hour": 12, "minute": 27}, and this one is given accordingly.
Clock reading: {"hour": 4, "minute": 45}
